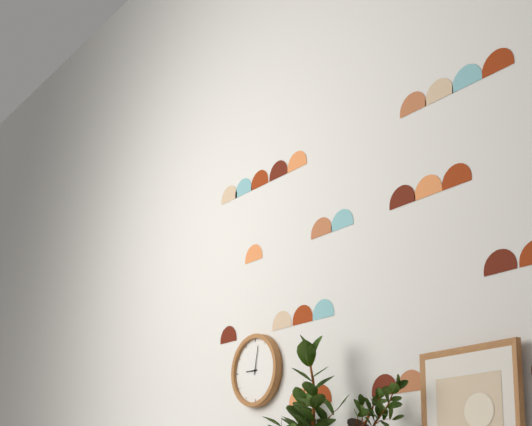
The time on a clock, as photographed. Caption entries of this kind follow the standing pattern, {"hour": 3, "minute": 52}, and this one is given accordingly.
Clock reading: {"hour": 9, "minute": 2}
